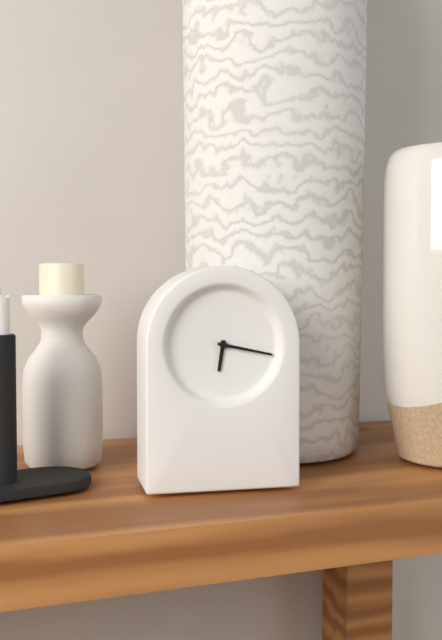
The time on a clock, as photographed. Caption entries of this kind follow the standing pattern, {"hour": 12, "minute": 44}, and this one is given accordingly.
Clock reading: {"hour": 6, "minute": 17}
